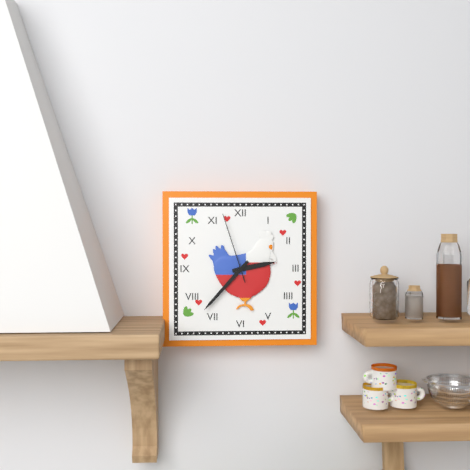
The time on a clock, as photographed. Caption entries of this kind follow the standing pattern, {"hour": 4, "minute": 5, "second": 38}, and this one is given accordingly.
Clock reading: {"hour": 2, "minute": 37, "second": 57}
